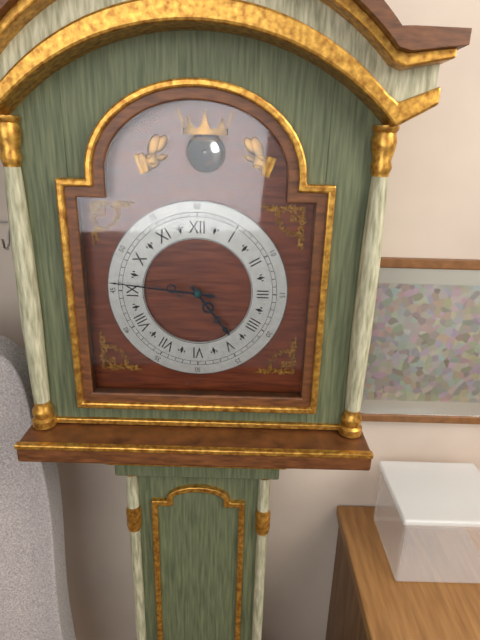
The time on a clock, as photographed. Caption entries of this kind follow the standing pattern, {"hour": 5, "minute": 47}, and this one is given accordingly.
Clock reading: {"hour": 4, "minute": 46}
